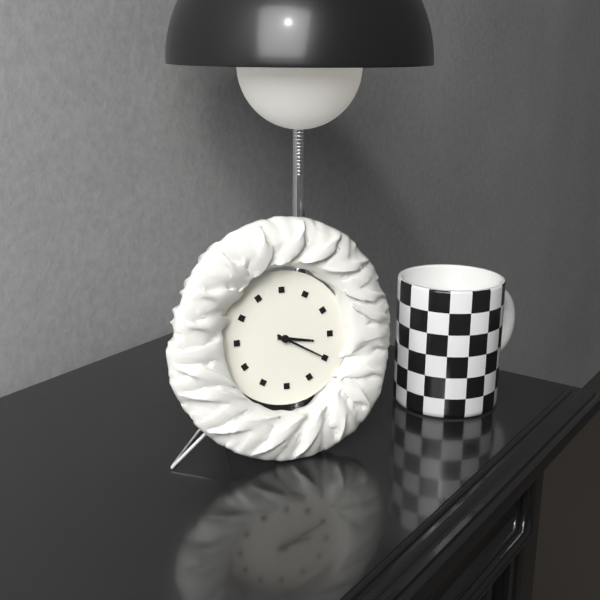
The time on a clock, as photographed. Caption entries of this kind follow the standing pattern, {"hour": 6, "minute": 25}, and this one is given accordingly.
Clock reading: {"hour": 3, "minute": 20}
